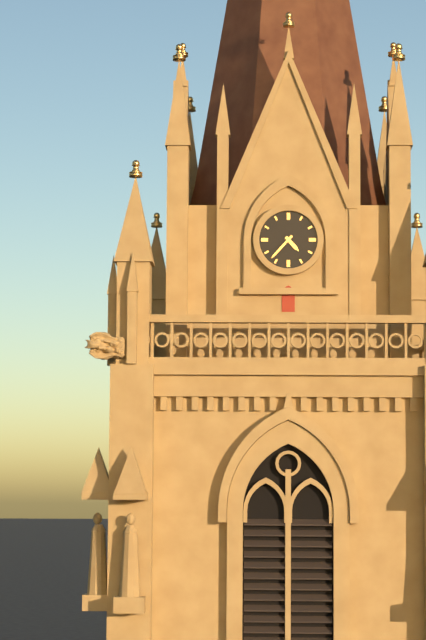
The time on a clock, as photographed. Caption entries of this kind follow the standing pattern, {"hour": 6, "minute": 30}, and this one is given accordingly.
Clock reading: {"hour": 4, "minute": 37}
